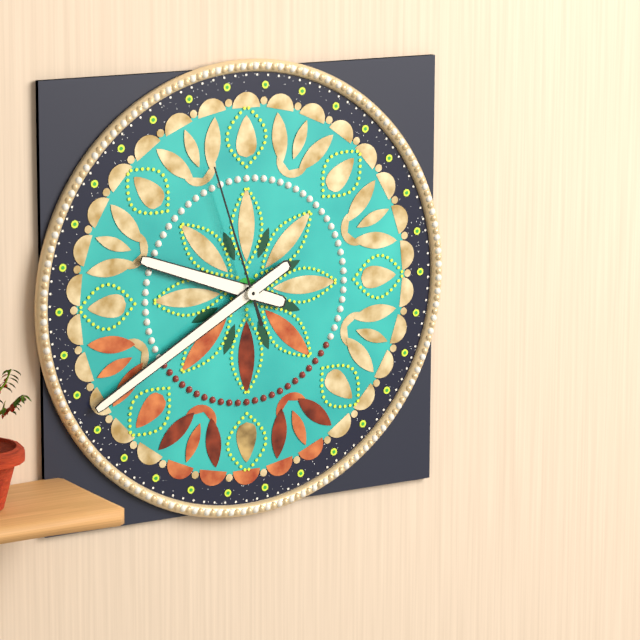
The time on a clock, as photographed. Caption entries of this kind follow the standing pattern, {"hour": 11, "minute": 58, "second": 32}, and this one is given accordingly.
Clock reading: {"hour": 9, "minute": 40, "second": 57}
